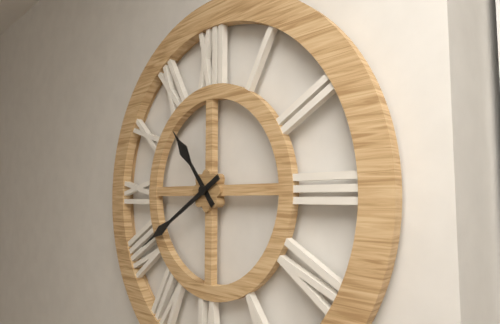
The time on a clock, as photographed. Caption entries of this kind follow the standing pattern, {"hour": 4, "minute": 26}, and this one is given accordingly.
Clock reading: {"hour": 10, "minute": 40}
